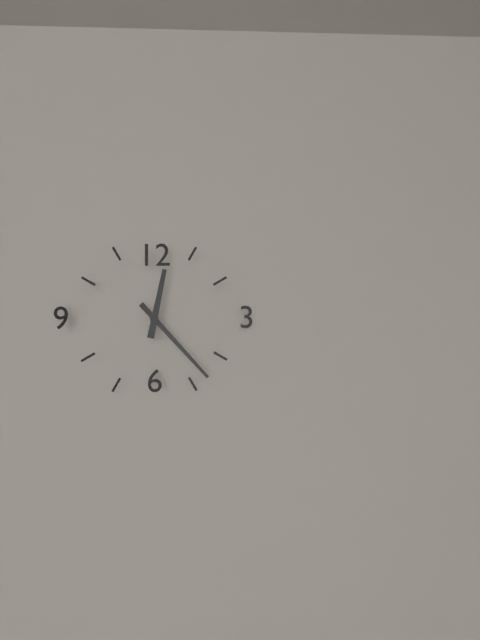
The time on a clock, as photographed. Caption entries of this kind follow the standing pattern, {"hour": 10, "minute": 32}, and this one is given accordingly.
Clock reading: {"hour": 12, "minute": 23}
